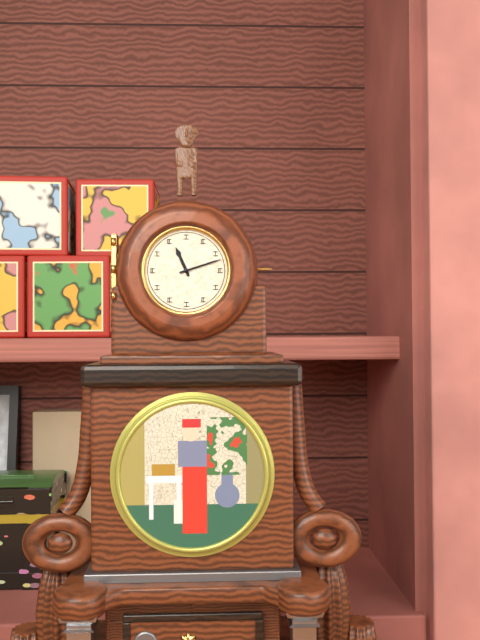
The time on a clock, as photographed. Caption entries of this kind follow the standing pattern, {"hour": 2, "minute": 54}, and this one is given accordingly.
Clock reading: {"hour": 11, "minute": 12}
